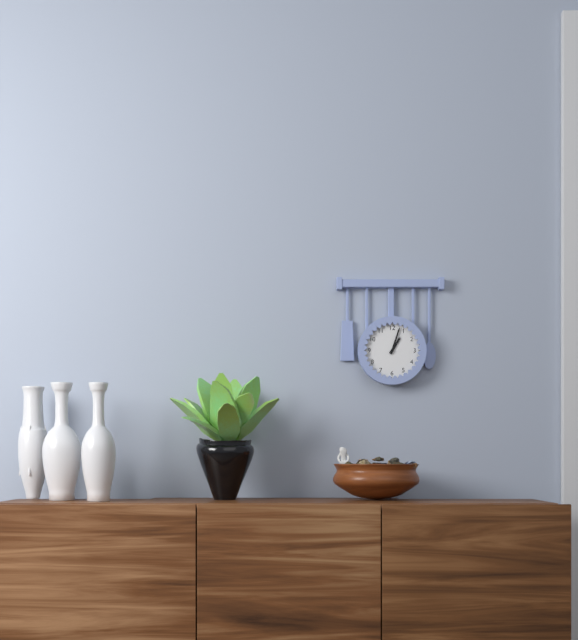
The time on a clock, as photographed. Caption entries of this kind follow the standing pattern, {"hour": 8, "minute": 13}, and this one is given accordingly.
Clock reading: {"hour": 1, "minute": 3}
